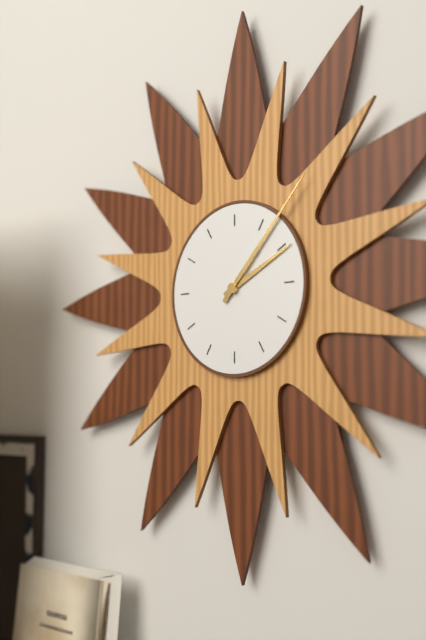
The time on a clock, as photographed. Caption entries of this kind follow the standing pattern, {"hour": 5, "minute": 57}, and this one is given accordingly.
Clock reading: {"hour": 2, "minute": 7}
